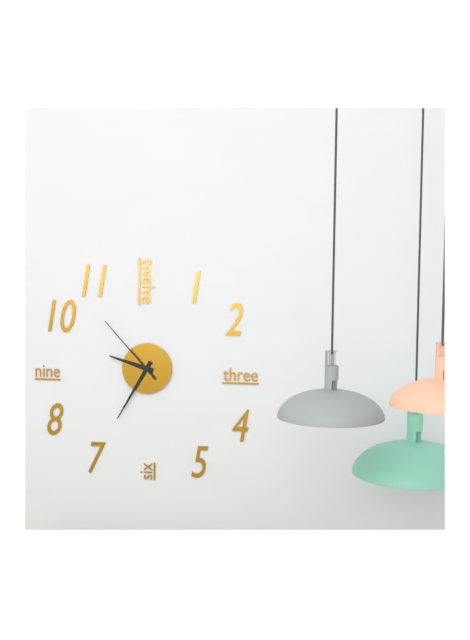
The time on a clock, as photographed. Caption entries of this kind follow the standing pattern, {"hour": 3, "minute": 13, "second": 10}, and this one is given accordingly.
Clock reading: {"hour": 9, "minute": 35, "second": 53}
